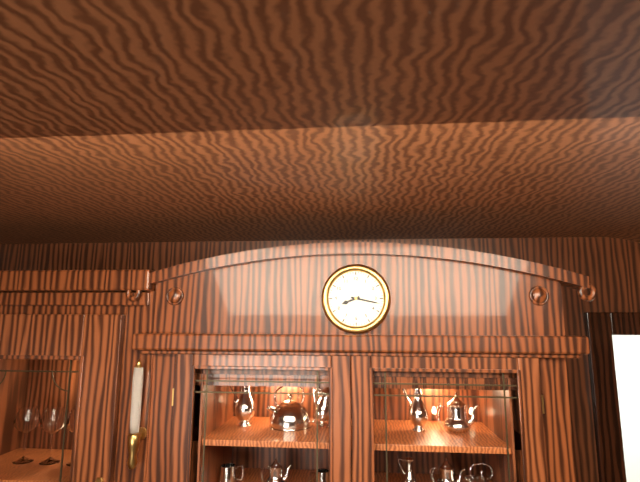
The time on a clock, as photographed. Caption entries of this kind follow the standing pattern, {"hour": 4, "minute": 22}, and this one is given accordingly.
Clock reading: {"hour": 8, "minute": 17}
